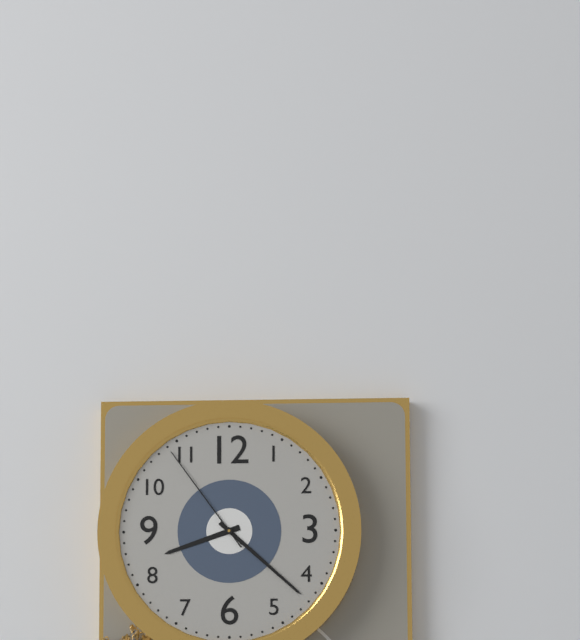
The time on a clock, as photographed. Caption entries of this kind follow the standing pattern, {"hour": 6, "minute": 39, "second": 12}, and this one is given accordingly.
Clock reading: {"hour": 8, "minute": 22, "second": 54}
